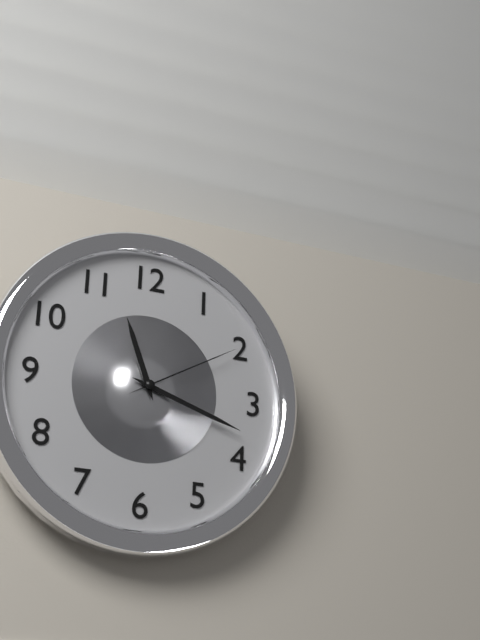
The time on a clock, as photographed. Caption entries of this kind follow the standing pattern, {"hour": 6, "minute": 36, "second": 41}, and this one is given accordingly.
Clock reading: {"hour": 11, "minute": 18, "second": 10}
